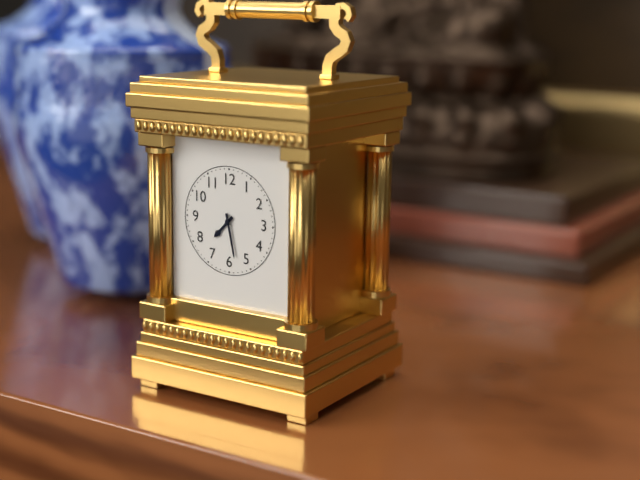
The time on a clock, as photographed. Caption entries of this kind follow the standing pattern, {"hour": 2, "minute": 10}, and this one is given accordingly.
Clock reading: {"hour": 7, "minute": 28}
